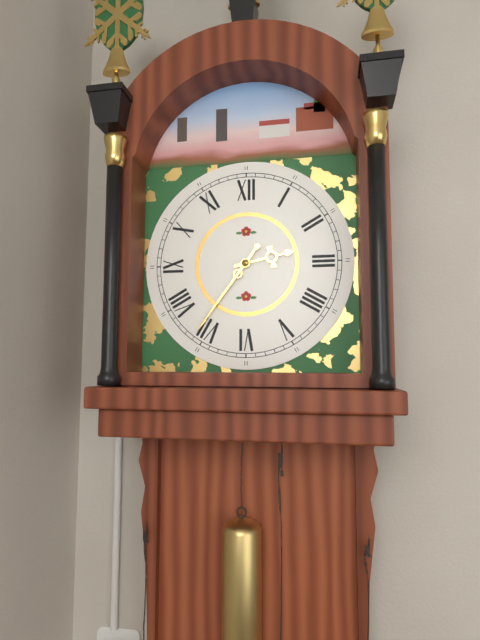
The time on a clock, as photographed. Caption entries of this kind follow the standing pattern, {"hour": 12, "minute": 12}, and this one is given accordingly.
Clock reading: {"hour": 2, "minute": 36}
